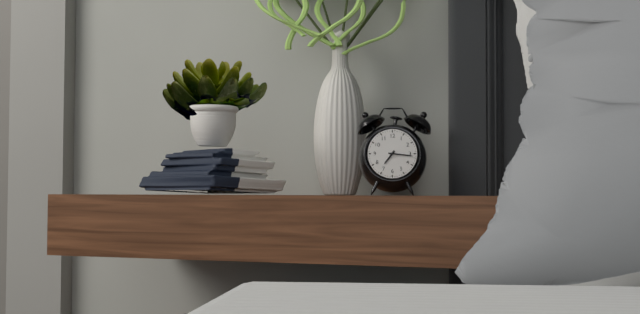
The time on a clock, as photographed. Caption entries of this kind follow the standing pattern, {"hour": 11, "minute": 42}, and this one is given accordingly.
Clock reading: {"hour": 7, "minute": 16}
